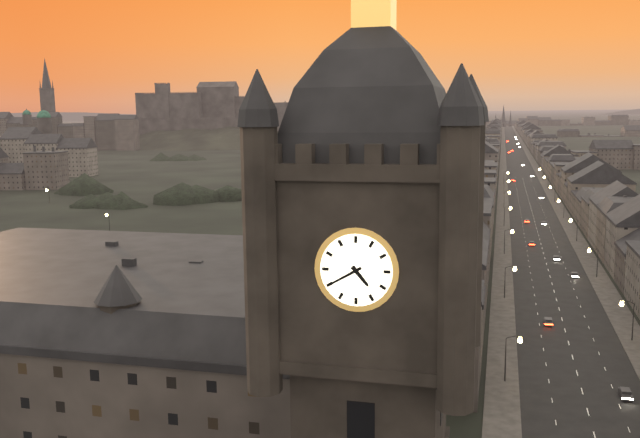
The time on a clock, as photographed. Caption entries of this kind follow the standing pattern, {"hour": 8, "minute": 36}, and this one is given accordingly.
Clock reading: {"hour": 4, "minute": 40}
